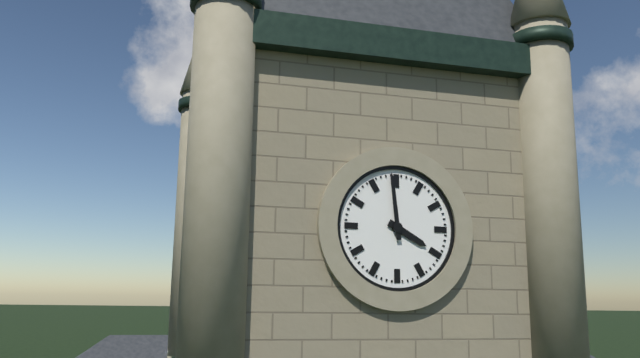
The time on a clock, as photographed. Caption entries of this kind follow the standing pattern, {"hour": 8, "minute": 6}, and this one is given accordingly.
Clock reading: {"hour": 3, "minute": 59}
